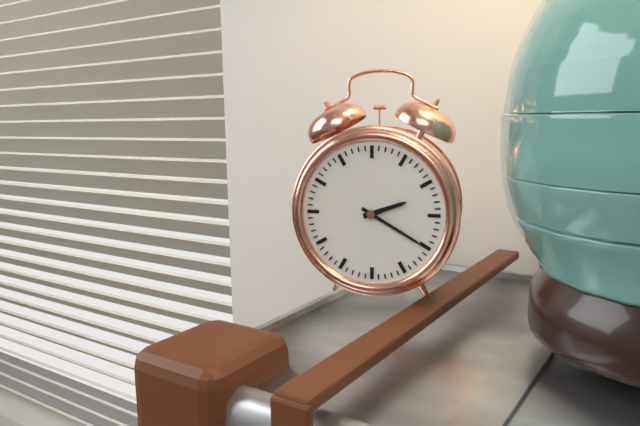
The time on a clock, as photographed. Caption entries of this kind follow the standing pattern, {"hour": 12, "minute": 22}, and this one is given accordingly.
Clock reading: {"hour": 2, "minute": 20}
